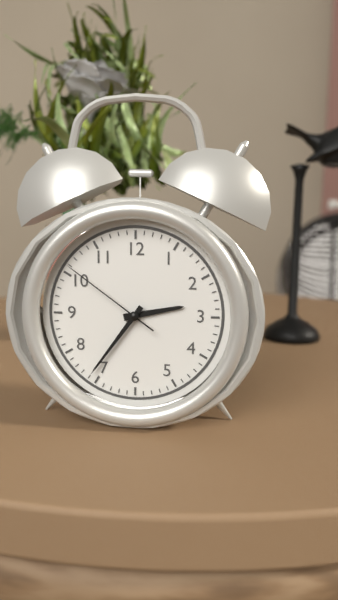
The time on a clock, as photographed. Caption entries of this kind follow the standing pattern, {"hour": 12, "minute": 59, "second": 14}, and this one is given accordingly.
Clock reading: {"hour": 2, "minute": 36, "second": 51}
